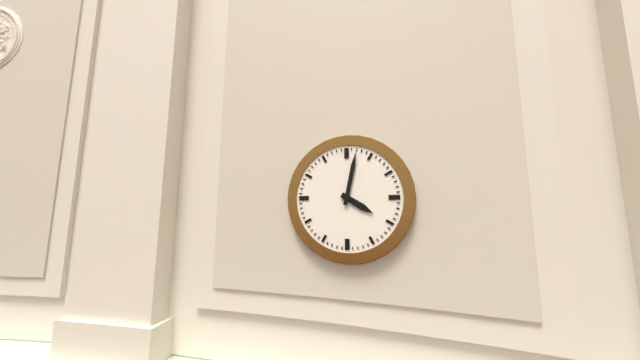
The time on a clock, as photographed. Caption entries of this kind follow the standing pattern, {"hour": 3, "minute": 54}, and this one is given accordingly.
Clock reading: {"hour": 4, "minute": 2}
